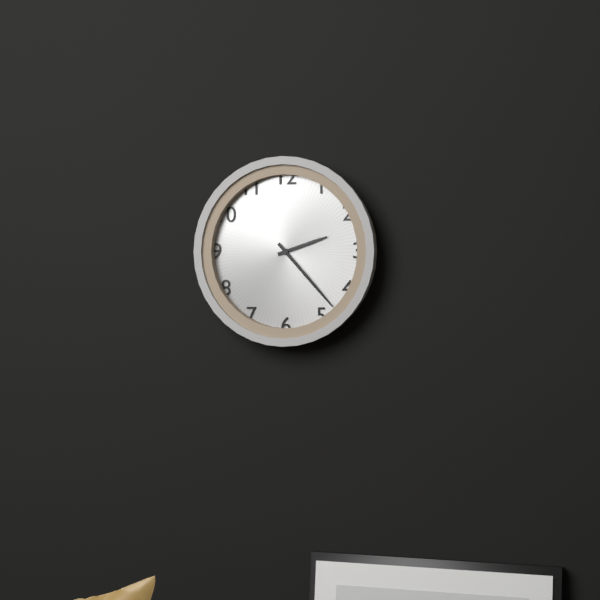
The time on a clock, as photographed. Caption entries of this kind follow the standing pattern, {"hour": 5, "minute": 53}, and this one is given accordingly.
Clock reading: {"hour": 2, "minute": 23}
